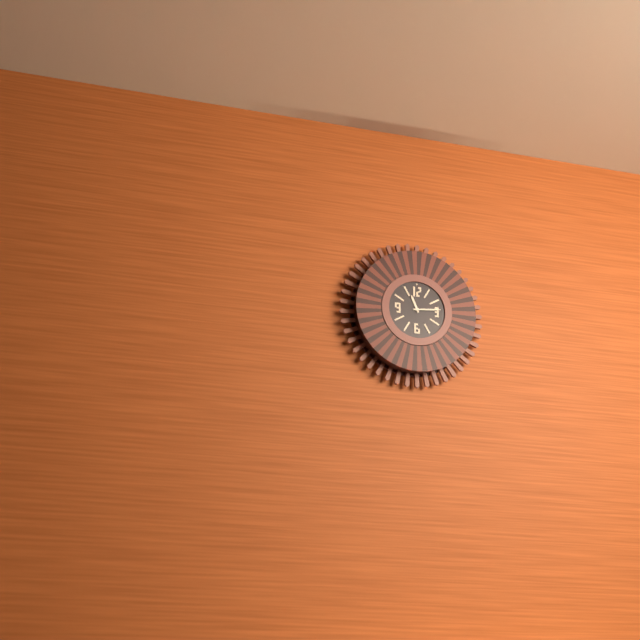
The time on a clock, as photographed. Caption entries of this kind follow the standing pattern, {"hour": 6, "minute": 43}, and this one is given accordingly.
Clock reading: {"hour": 11, "minute": 14}
